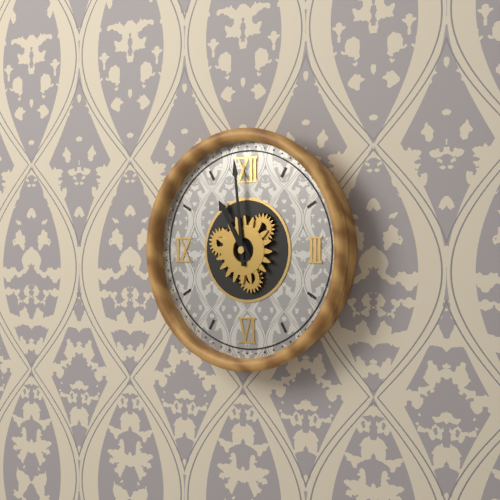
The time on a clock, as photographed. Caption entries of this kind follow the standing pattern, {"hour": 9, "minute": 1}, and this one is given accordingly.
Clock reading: {"hour": 10, "minute": 59}
